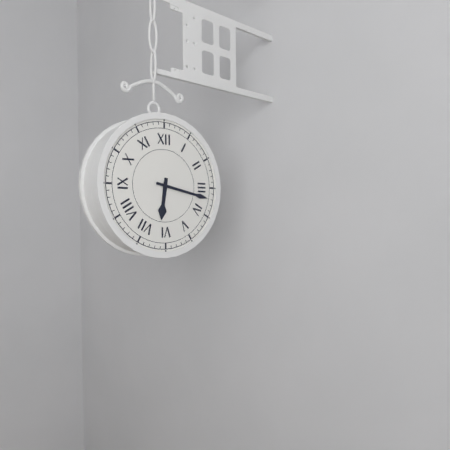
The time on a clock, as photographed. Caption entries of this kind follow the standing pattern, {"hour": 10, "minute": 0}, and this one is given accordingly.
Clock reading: {"hour": 6, "minute": 17}
